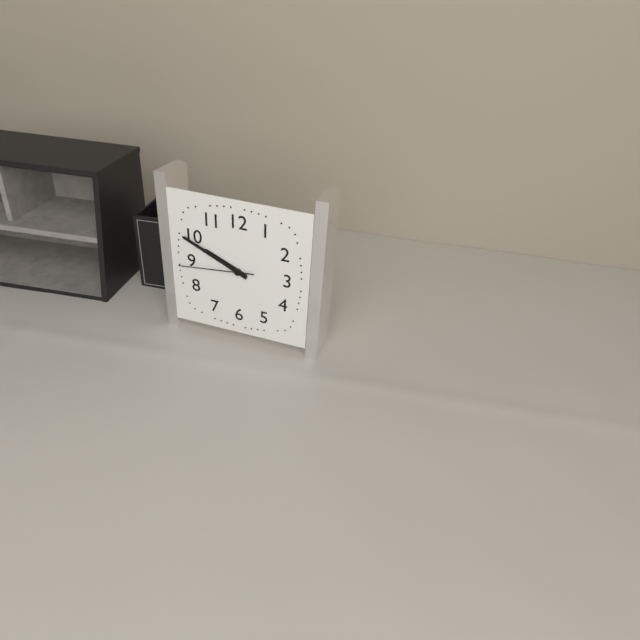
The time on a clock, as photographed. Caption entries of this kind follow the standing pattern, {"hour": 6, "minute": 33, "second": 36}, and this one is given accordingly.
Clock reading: {"hour": 9, "minute": 49, "second": 44}
